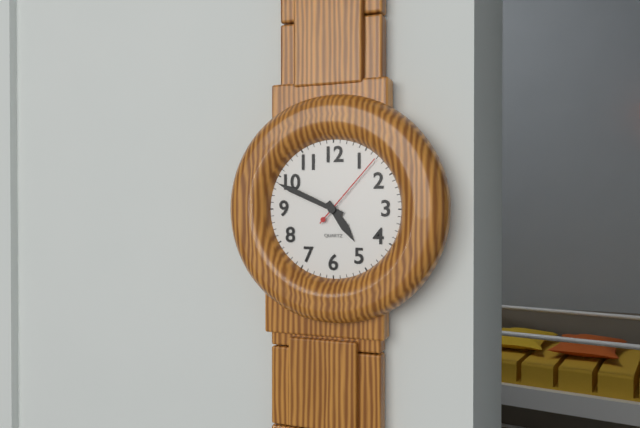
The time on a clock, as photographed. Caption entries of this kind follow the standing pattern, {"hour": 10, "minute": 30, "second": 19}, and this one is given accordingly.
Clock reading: {"hour": 4, "minute": 49, "second": 7}
